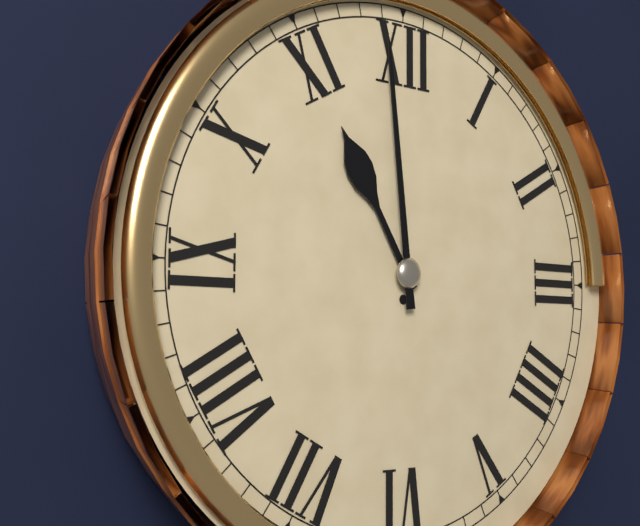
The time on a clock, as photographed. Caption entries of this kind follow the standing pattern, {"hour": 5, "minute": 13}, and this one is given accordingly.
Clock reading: {"hour": 10, "minute": 59}
